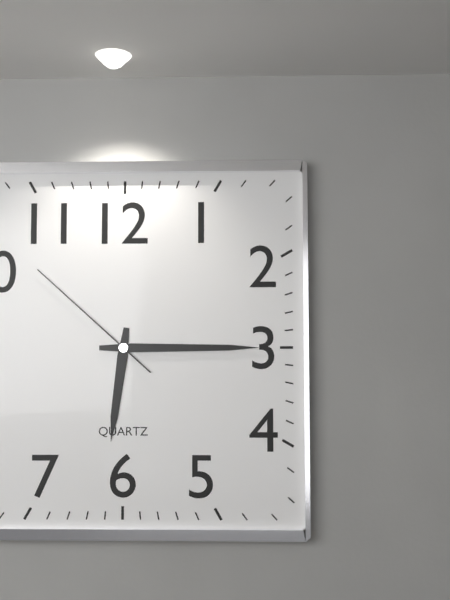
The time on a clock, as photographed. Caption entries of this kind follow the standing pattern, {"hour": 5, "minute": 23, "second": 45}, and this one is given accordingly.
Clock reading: {"hour": 6, "minute": 15, "second": 52}
